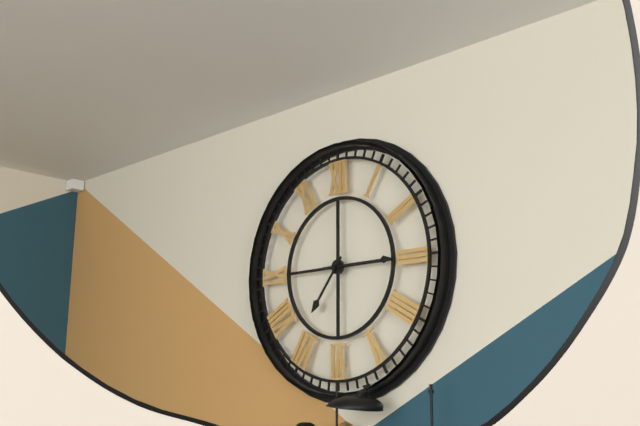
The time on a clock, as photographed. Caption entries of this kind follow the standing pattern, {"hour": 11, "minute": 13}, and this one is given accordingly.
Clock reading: {"hour": 7, "minute": 15}
